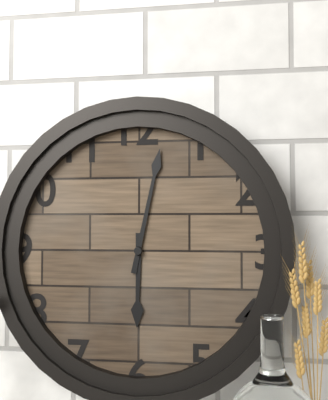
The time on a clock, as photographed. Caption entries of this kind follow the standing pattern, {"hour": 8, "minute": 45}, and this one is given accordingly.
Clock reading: {"hour": 6, "minute": 2}
